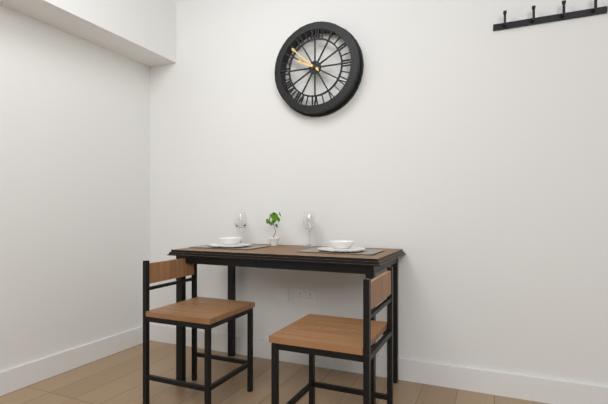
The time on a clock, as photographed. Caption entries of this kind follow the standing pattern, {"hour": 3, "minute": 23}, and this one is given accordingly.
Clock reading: {"hour": 9, "minute": 52}
